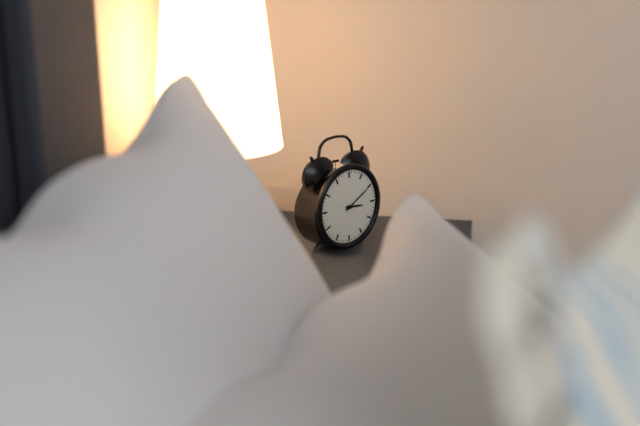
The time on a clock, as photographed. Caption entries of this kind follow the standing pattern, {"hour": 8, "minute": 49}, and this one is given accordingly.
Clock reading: {"hour": 3, "minute": 10}
